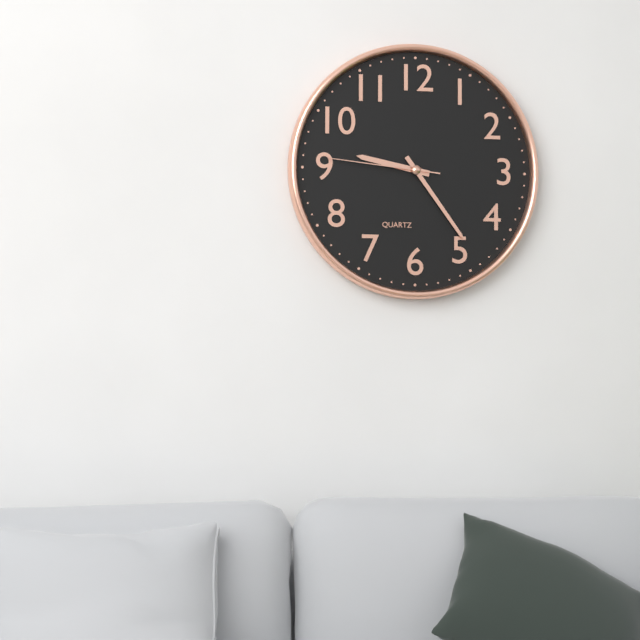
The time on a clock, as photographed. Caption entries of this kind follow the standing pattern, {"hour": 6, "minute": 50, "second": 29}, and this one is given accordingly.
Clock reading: {"hour": 9, "minute": 24, "second": 46}
